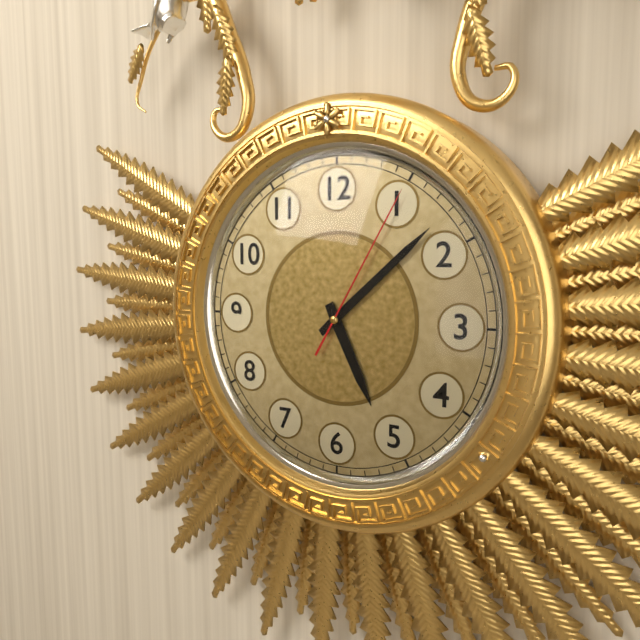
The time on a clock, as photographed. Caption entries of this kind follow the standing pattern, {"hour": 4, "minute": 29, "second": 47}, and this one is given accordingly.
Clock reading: {"hour": 5, "minute": 8, "second": 5}
